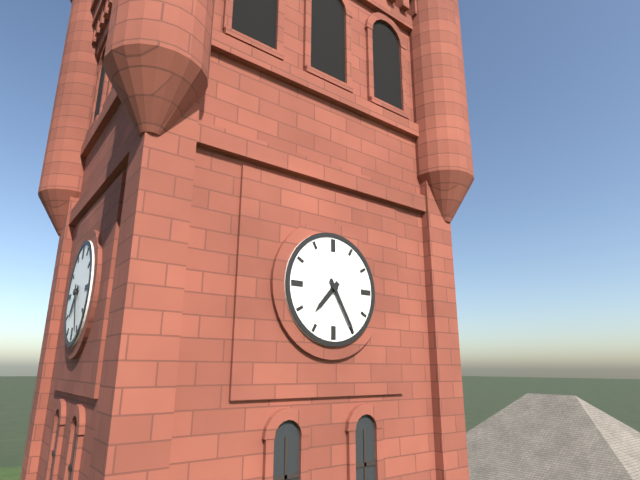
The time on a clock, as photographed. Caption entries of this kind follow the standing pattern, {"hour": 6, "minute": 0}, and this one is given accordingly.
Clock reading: {"hour": 7, "minute": 25}
